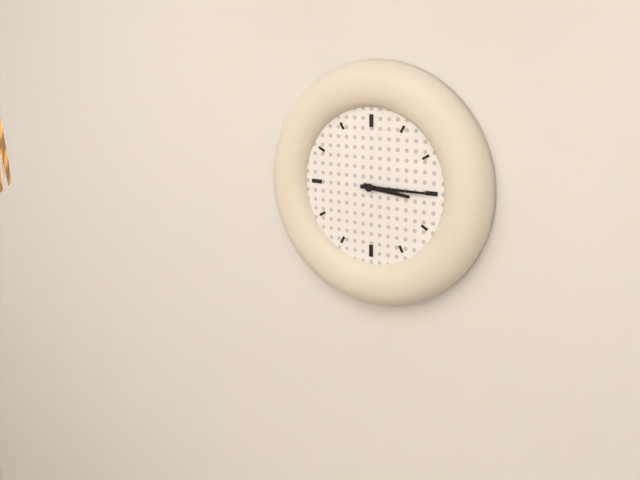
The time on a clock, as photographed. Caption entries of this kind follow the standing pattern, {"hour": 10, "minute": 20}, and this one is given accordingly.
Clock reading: {"hour": 3, "minute": 15}
